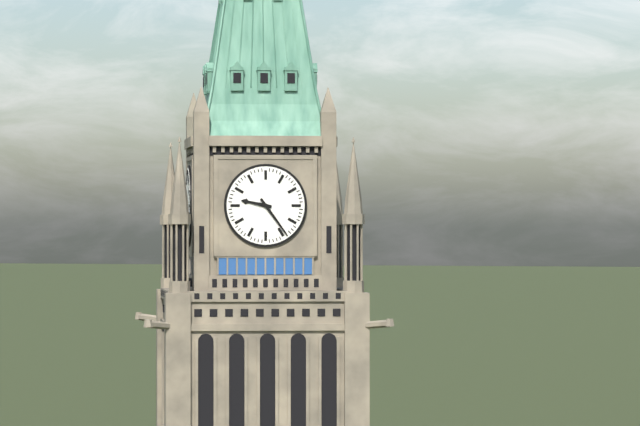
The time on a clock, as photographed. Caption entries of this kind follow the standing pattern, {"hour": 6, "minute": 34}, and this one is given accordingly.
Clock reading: {"hour": 9, "minute": 24}
